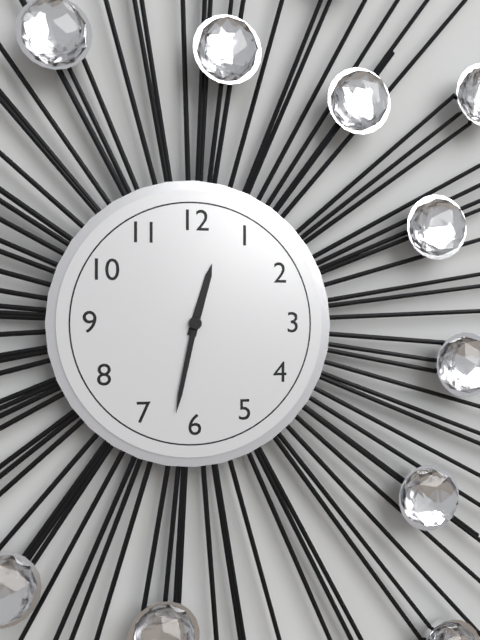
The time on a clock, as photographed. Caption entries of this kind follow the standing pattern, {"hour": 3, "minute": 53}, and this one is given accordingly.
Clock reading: {"hour": 12, "minute": 32}
